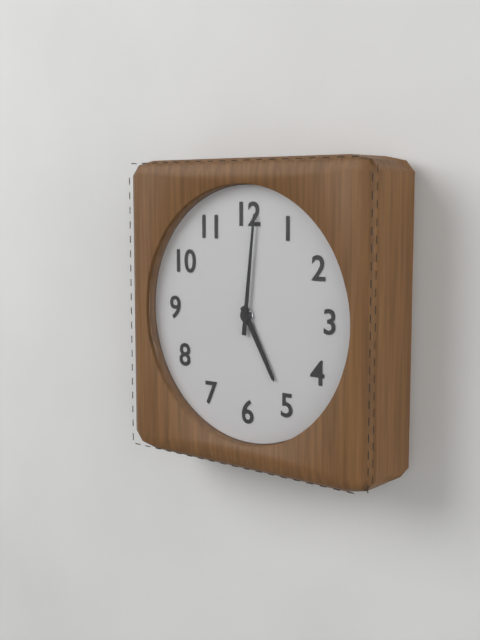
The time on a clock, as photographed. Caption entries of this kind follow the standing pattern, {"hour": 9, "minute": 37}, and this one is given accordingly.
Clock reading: {"hour": 5, "minute": 1}
